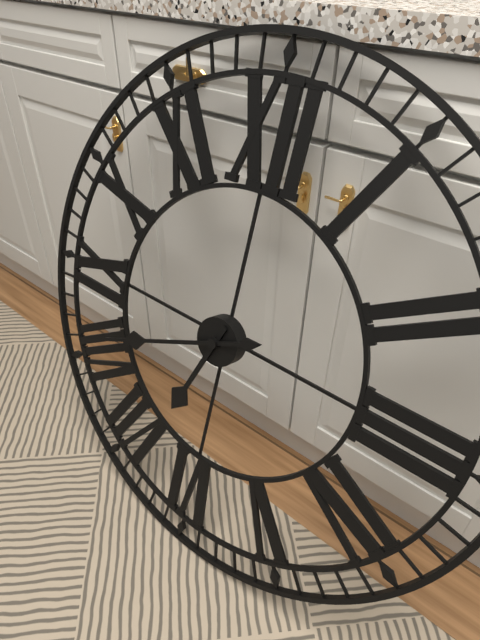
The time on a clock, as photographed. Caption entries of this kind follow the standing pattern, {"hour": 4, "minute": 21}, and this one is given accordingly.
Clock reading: {"hour": 6, "minute": 41}
